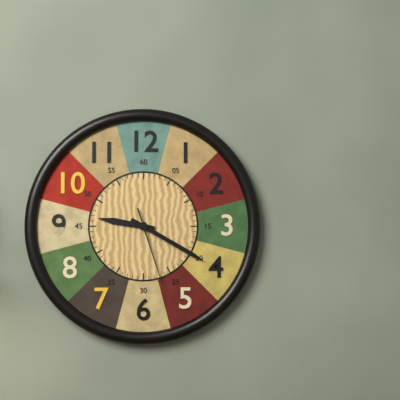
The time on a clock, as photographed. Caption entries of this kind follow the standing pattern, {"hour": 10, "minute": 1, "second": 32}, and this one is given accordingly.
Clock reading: {"hour": 9, "minute": 20, "second": 27}
